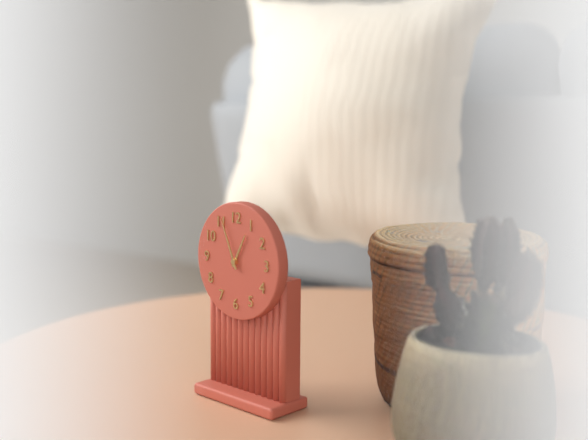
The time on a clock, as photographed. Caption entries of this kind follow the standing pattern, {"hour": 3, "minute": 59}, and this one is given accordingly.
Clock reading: {"hour": 12, "minute": 56}
